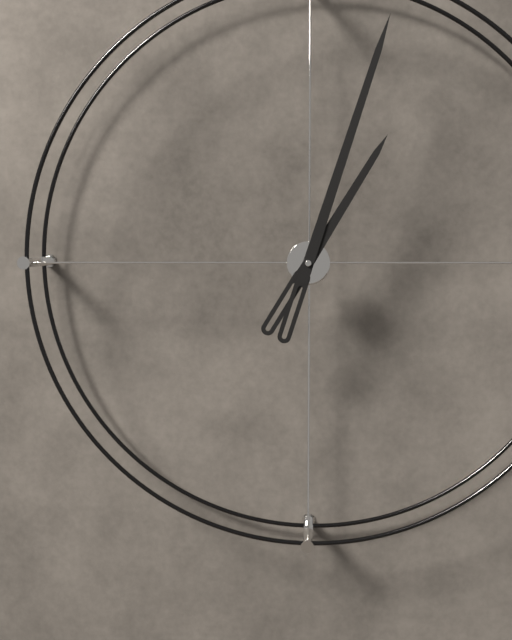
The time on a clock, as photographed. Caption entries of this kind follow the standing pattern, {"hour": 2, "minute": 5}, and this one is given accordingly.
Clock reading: {"hour": 1, "minute": 3}
